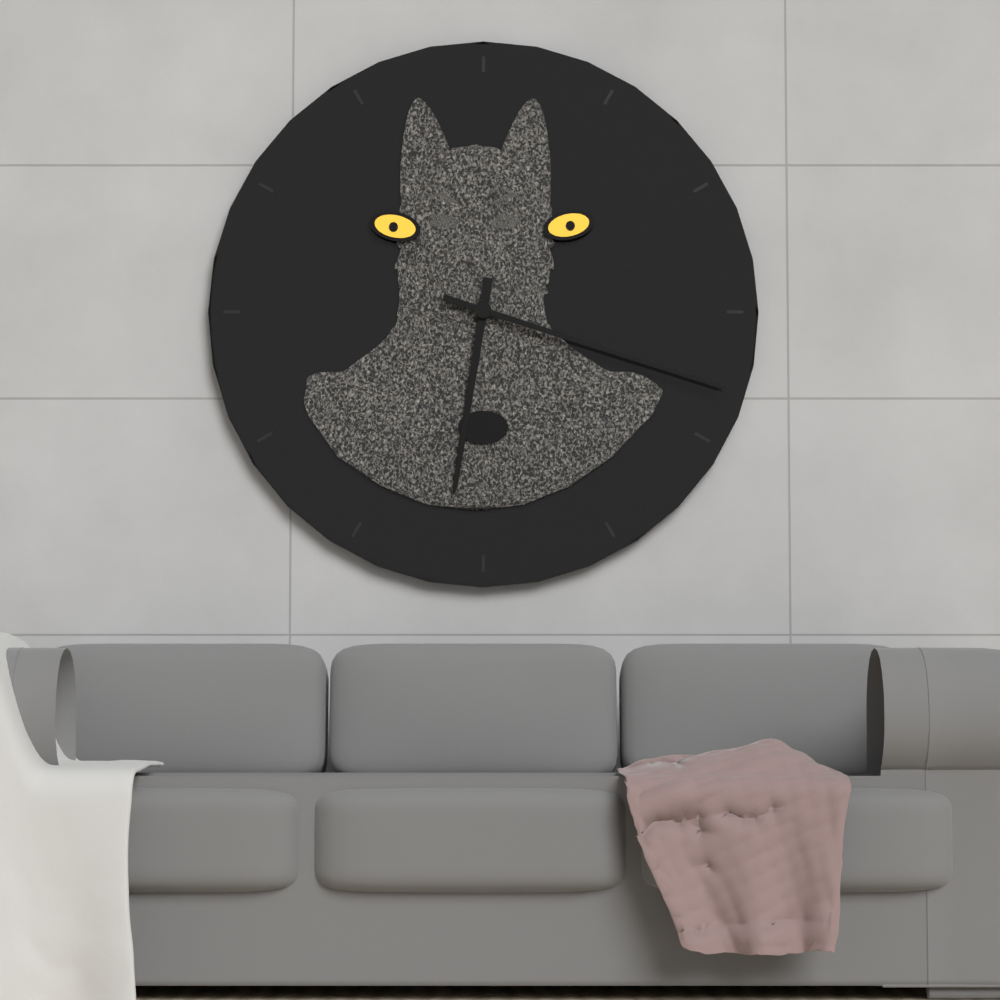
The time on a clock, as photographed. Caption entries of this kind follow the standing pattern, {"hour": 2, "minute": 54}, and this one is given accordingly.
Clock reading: {"hour": 6, "minute": 18}
